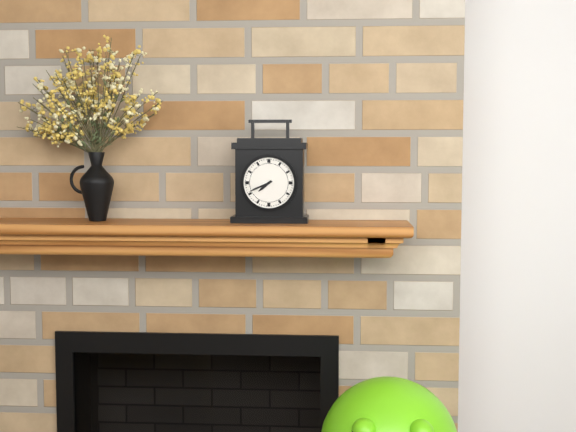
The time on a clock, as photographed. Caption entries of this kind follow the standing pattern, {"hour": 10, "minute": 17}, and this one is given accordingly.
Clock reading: {"hour": 7, "minute": 41}
